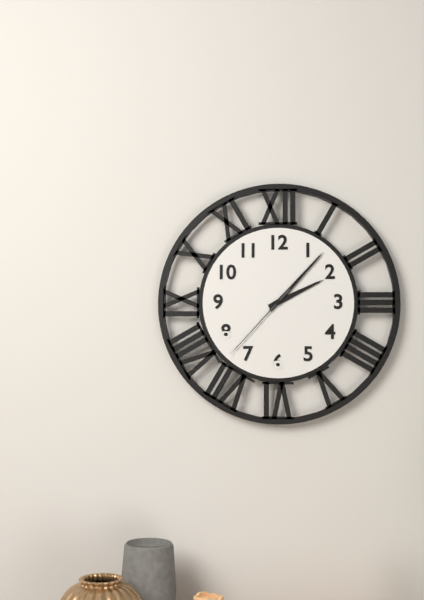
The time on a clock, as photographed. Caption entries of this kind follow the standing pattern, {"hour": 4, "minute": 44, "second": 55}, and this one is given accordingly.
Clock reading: {"hour": 2, "minute": 7, "second": 37}
